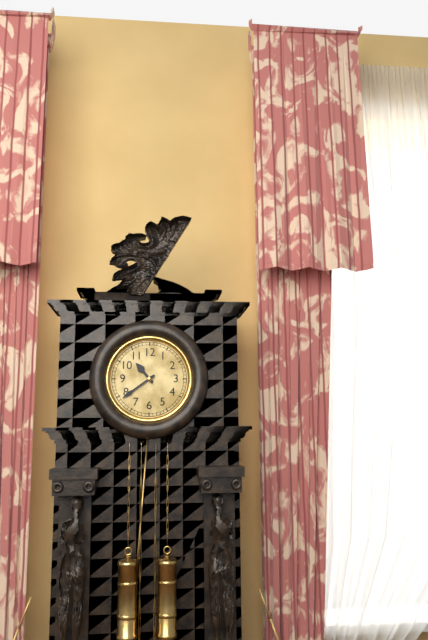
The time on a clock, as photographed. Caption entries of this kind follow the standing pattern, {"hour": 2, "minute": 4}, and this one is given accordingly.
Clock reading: {"hour": 10, "minute": 39}
